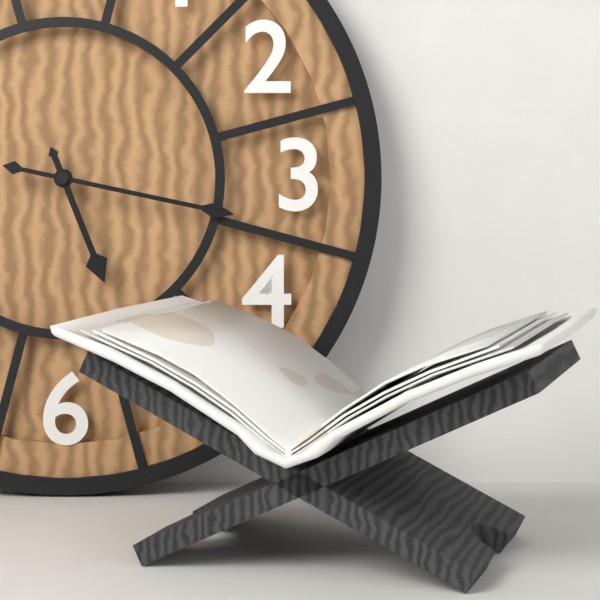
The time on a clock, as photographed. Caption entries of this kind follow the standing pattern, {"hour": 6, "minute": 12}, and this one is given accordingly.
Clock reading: {"hour": 5, "minute": 17}
